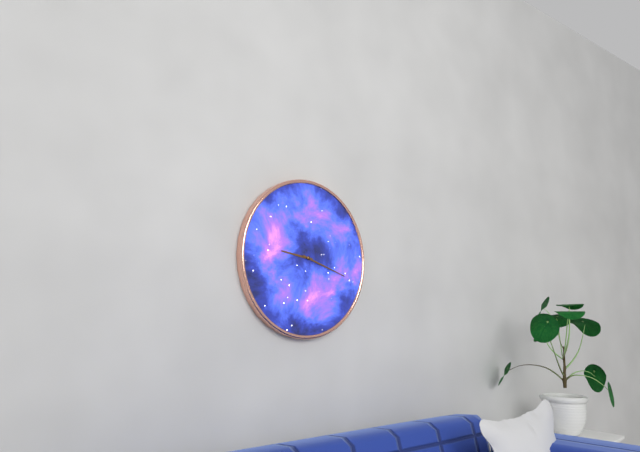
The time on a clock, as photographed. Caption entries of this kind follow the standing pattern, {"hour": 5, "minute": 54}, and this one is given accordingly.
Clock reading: {"hour": 9, "minute": 18}
